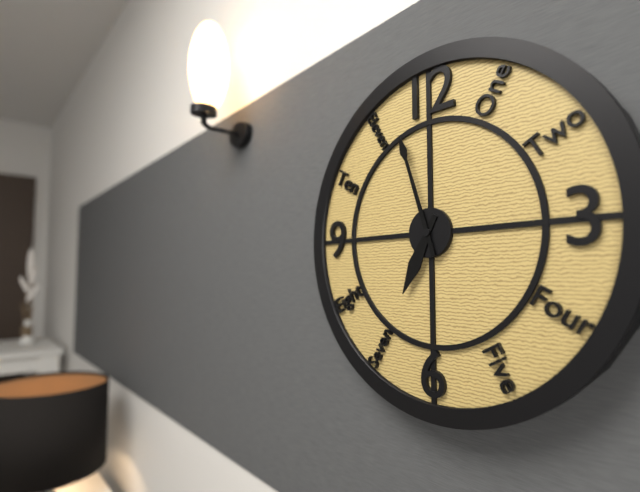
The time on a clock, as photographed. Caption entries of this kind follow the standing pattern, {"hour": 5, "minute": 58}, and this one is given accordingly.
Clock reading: {"hour": 6, "minute": 57}
